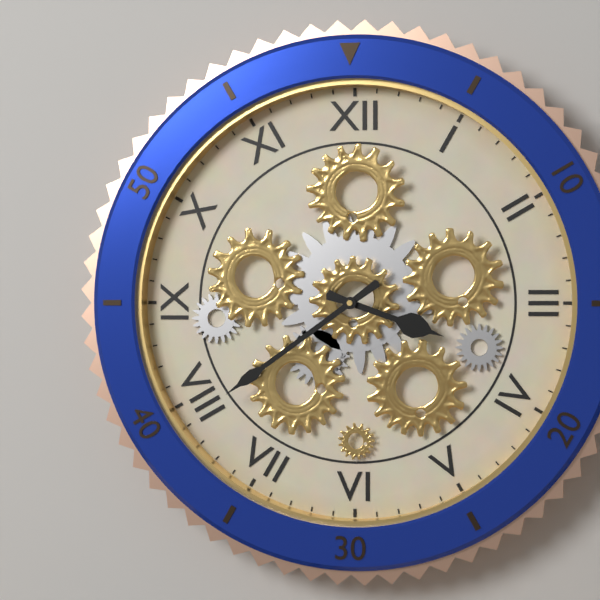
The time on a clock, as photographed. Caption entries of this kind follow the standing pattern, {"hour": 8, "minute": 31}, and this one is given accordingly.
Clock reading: {"hour": 3, "minute": 39}
